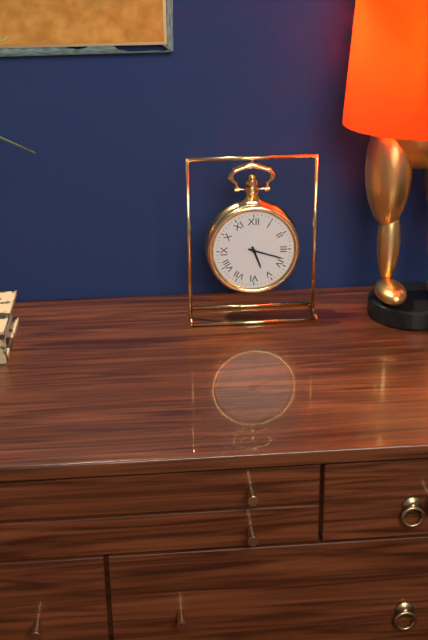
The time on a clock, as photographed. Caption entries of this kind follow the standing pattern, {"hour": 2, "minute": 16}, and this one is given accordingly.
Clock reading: {"hour": 5, "minute": 18}
